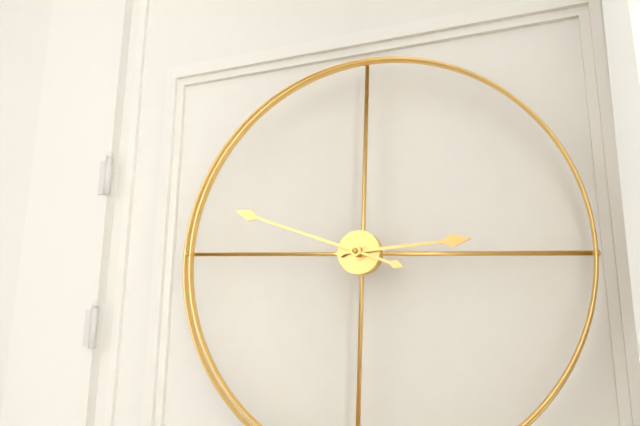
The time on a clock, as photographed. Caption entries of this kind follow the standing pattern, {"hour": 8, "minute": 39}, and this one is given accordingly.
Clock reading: {"hour": 2, "minute": 48}
